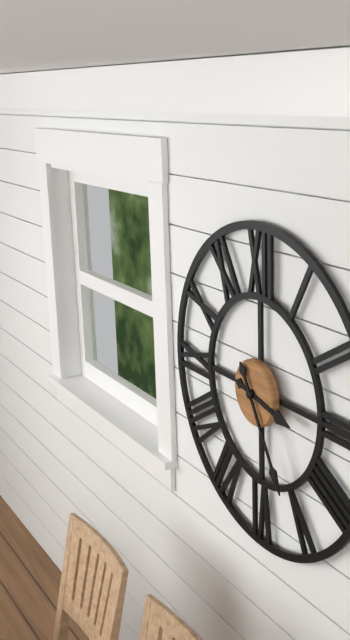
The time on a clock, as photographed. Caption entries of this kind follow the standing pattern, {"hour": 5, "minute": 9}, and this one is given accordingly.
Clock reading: {"hour": 3, "minute": 25}
